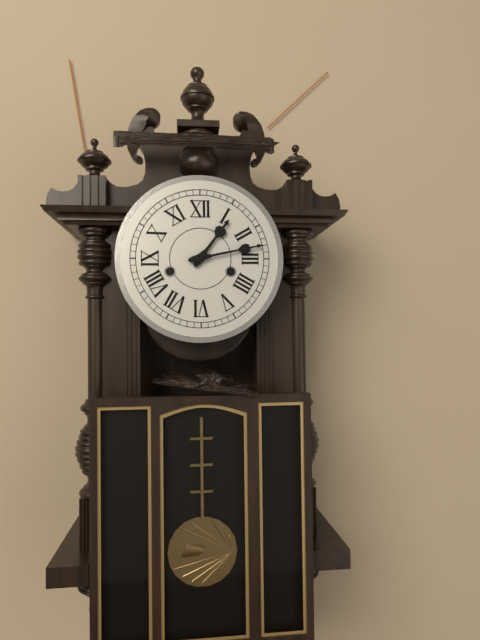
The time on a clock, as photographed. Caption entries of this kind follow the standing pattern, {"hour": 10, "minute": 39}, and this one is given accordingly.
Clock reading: {"hour": 1, "minute": 13}
